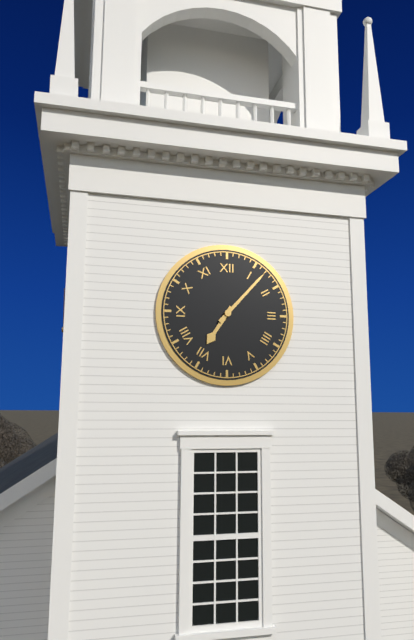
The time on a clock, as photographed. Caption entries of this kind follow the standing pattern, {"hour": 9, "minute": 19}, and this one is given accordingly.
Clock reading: {"hour": 7, "minute": 7}
